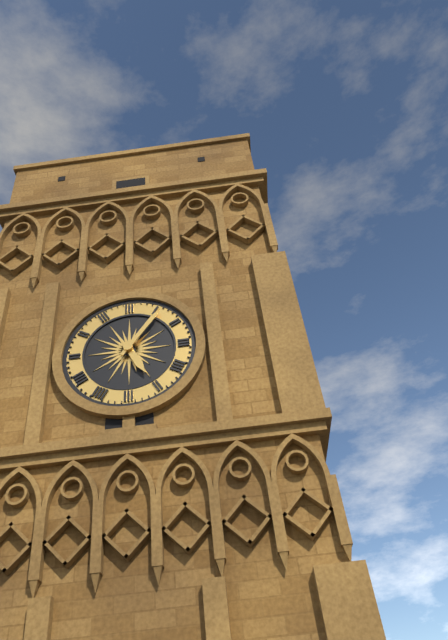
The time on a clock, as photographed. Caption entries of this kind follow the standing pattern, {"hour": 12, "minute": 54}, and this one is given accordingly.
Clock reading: {"hour": 5, "minute": 6}
